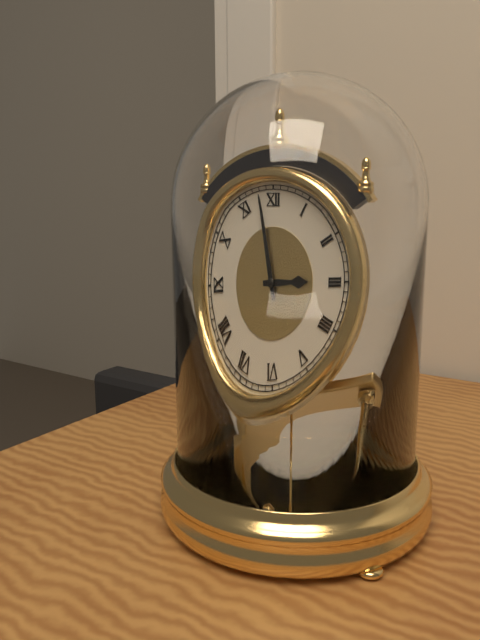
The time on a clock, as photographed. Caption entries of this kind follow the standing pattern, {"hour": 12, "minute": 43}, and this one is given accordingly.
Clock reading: {"hour": 2, "minute": 58}
